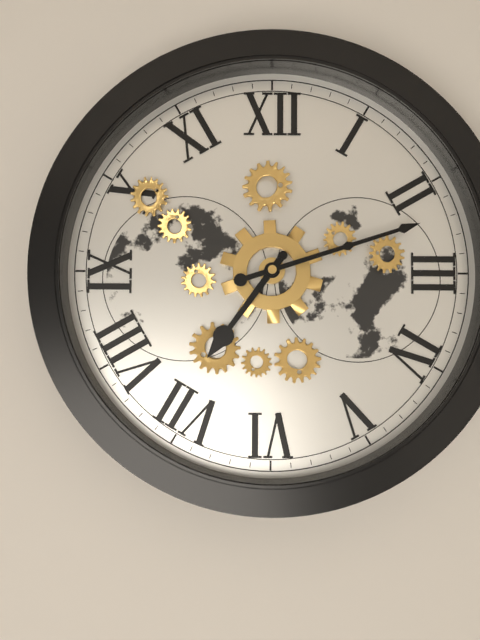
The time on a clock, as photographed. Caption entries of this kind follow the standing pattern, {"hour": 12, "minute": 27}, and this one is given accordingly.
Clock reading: {"hour": 7, "minute": 12}
